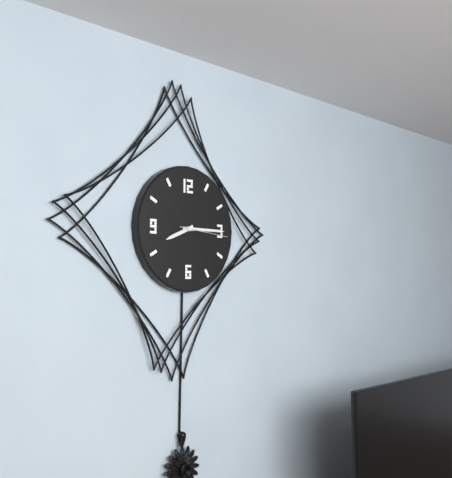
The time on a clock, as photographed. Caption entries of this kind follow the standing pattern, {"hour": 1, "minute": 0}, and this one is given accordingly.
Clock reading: {"hour": 8, "minute": 15}
